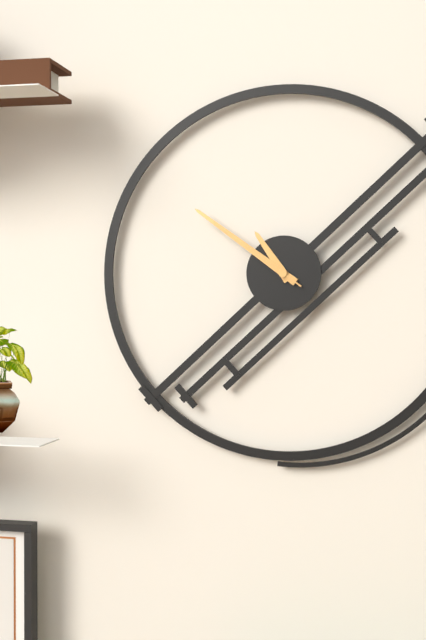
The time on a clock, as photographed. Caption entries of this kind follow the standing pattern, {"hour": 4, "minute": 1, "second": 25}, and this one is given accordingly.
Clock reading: {"hour": 10, "minute": 51, "second": 51}
